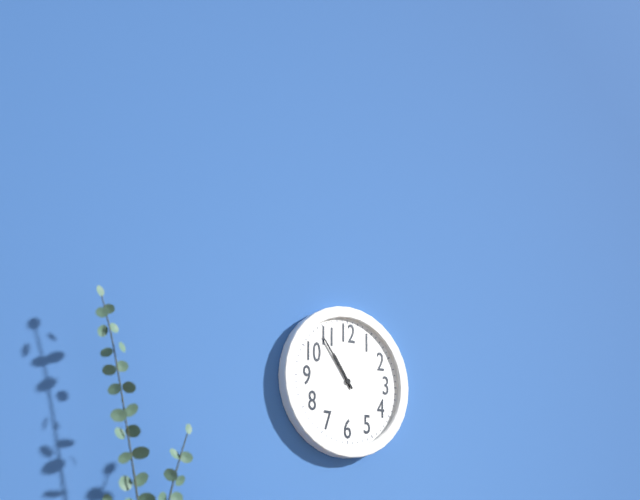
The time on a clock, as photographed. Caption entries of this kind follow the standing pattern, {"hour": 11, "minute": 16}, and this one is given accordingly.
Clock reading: {"hour": 10, "minute": 54}
